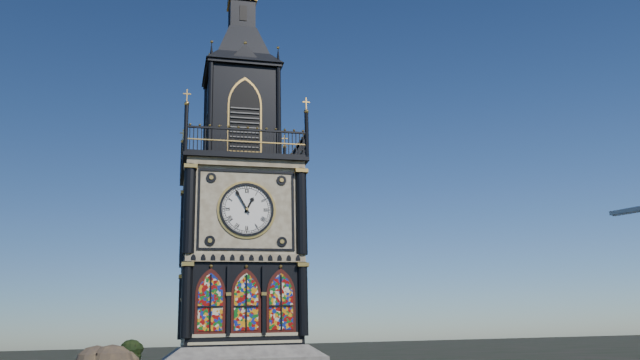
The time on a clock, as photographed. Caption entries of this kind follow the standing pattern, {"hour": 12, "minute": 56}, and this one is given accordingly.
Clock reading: {"hour": 12, "minute": 55}
